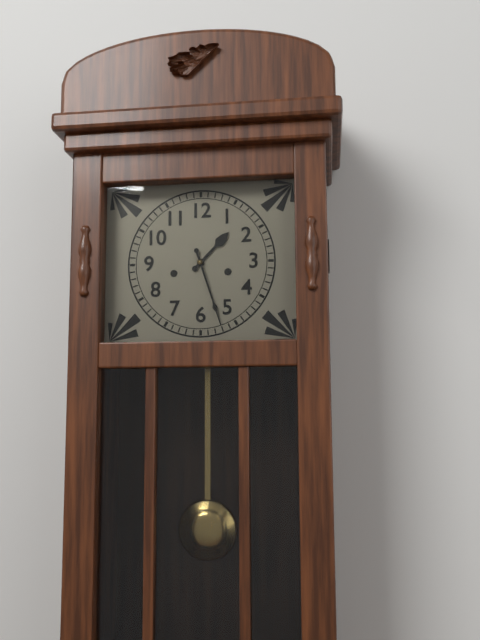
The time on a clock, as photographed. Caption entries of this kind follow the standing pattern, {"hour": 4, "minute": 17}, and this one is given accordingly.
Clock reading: {"hour": 1, "minute": 27}
